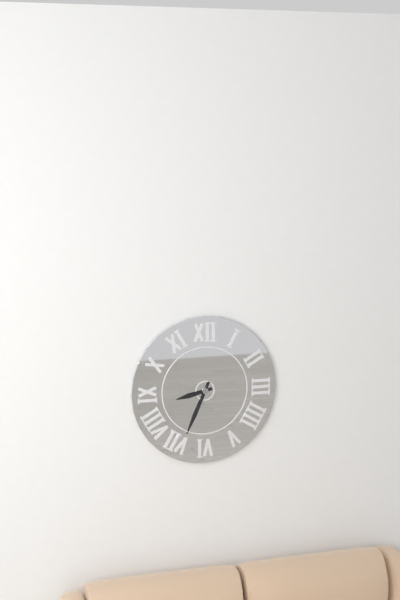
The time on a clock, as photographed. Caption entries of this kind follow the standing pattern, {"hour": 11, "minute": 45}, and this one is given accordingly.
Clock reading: {"hour": 8, "minute": 34}
